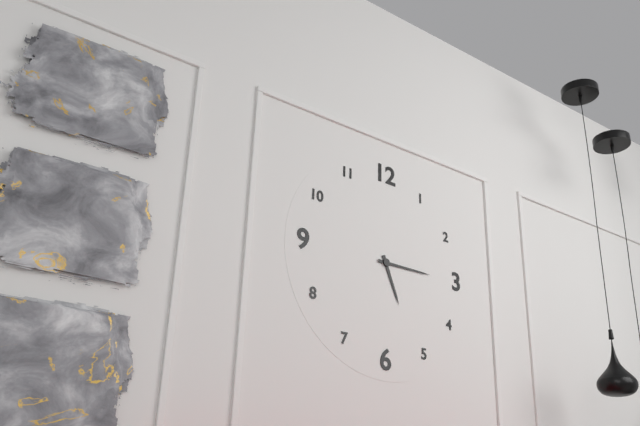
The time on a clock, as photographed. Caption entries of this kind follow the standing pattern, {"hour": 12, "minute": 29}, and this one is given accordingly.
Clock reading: {"hour": 5, "minute": 15}
